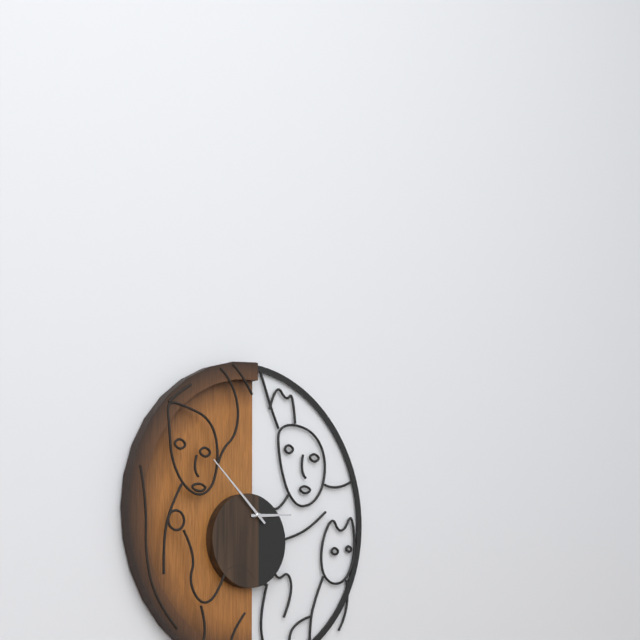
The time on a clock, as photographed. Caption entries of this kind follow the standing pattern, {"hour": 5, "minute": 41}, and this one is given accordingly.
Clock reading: {"hour": 2, "minute": 52}
